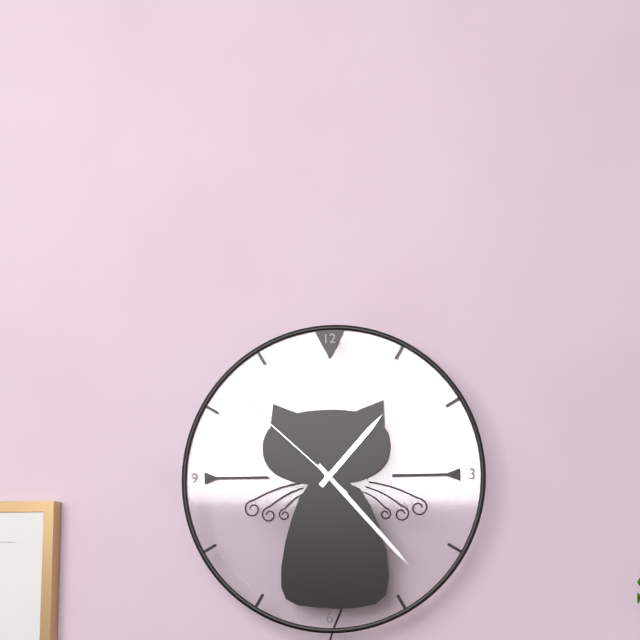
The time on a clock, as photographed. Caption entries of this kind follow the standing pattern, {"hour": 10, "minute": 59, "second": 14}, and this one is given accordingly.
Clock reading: {"hour": 1, "minute": 23, "second": 52}
